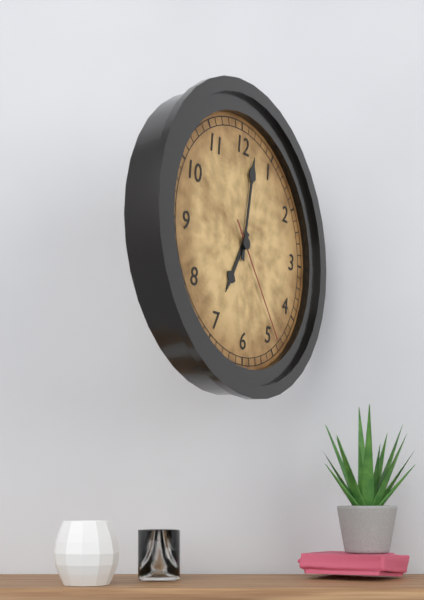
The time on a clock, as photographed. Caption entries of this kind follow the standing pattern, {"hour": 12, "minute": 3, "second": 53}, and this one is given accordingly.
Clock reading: {"hour": 7, "minute": 2, "second": 24}
